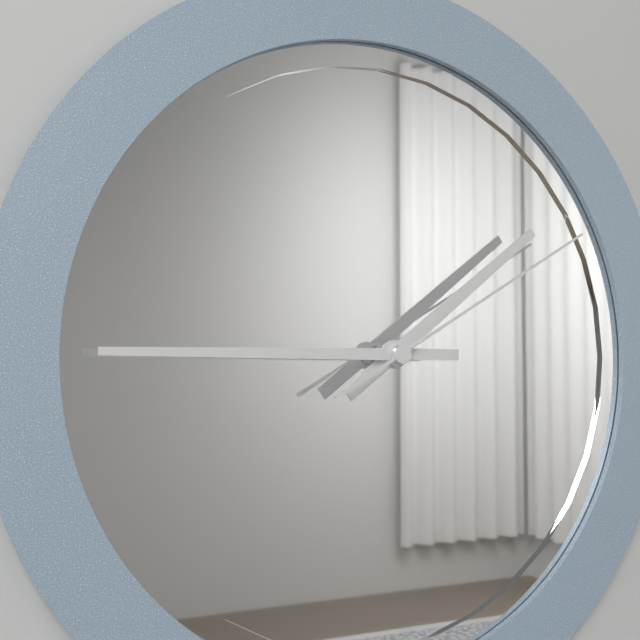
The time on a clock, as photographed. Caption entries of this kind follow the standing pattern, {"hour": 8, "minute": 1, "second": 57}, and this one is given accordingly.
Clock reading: {"hour": 1, "minute": 45, "second": 10}
